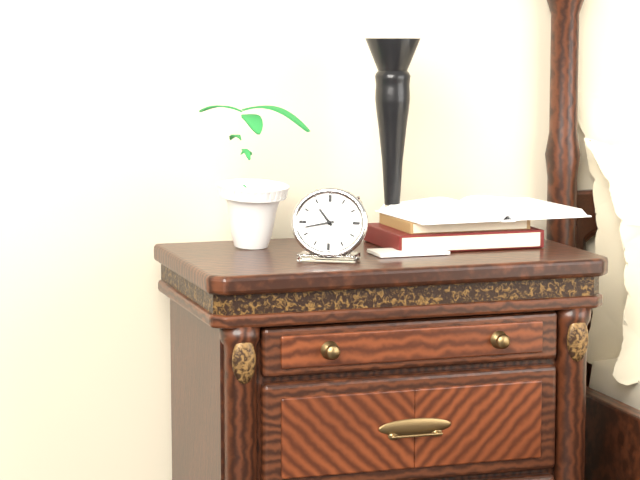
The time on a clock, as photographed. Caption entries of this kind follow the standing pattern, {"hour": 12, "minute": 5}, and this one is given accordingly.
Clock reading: {"hour": 10, "minute": 43}
